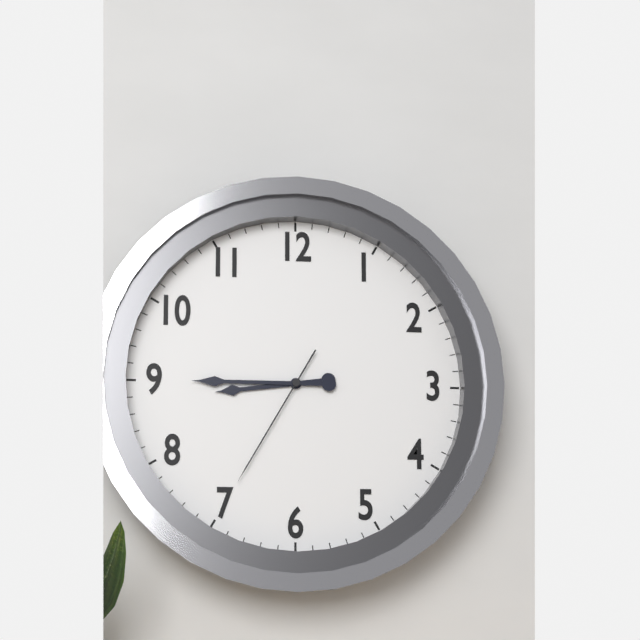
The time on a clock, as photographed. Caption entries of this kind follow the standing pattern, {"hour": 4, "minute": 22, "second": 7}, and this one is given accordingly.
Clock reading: {"hour": 8, "minute": 45, "second": 35}
